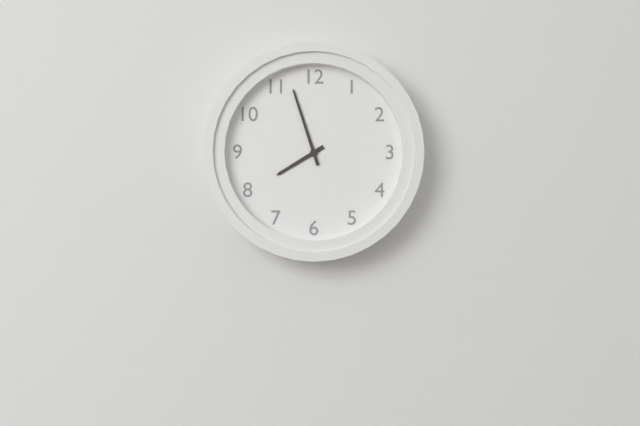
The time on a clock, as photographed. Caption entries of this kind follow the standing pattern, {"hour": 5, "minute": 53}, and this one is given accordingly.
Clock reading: {"hour": 7, "minute": 57}
